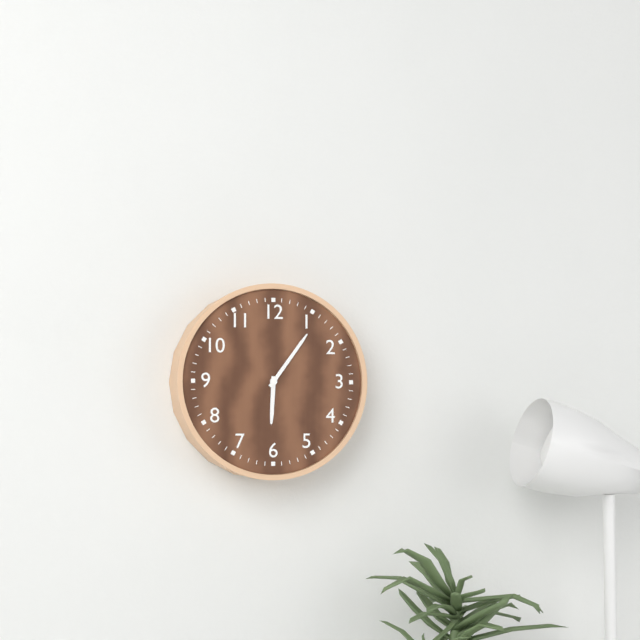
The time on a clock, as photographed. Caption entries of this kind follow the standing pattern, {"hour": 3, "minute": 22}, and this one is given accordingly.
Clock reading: {"hour": 6, "minute": 6}
